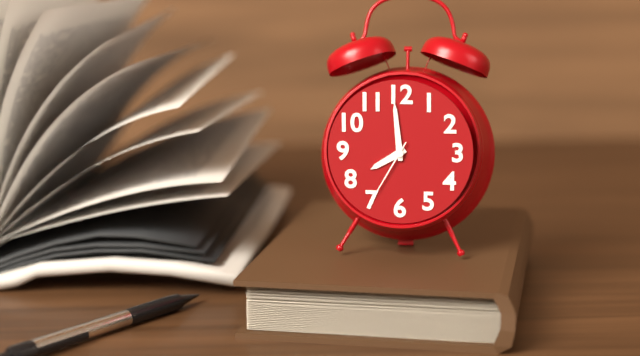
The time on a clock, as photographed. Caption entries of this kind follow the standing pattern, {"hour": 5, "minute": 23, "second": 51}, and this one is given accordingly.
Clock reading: {"hour": 7, "minute": 59, "second": 35}
